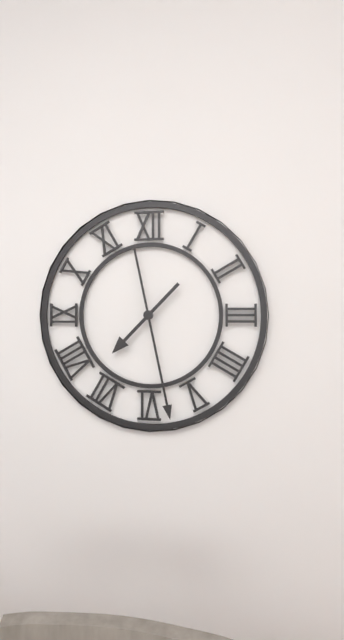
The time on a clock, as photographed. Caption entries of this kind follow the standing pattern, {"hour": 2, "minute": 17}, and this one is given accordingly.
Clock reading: {"hour": 7, "minute": 28}
